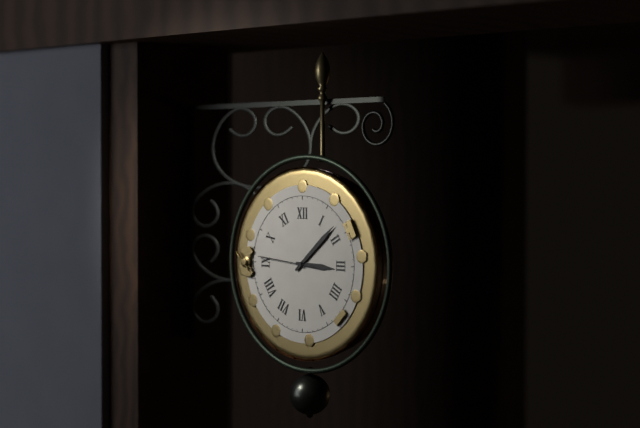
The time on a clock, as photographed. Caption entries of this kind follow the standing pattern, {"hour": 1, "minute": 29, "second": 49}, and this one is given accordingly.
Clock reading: {"hour": 3, "minute": 8, "second": 46}
